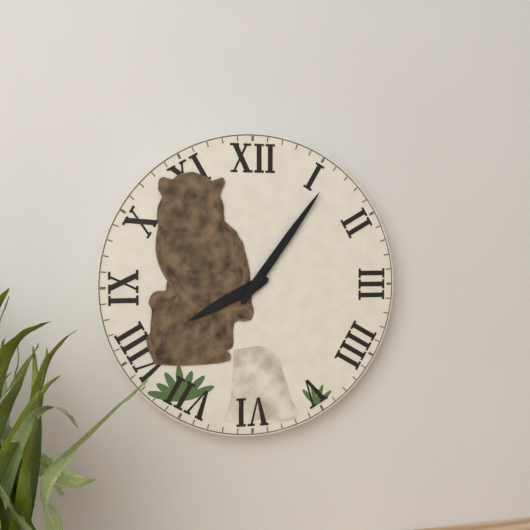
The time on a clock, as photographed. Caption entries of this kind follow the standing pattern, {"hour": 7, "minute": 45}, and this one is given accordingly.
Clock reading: {"hour": 8, "minute": 6}
